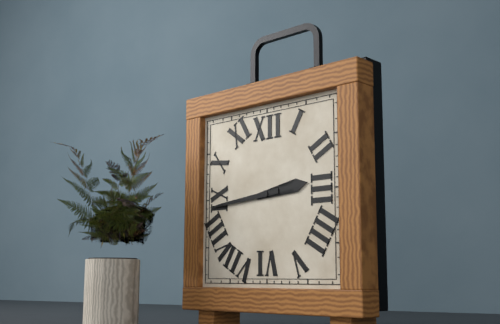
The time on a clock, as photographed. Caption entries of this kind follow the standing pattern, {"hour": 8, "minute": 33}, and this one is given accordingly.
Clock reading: {"hour": 2, "minute": 44}
